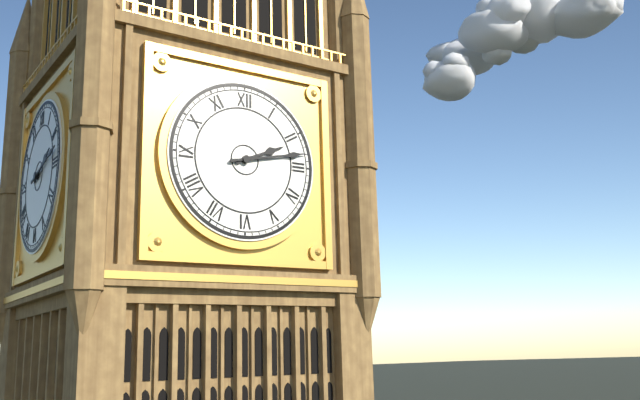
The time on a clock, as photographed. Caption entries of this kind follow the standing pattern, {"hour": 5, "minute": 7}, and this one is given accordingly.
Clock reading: {"hour": 2, "minute": 13}
